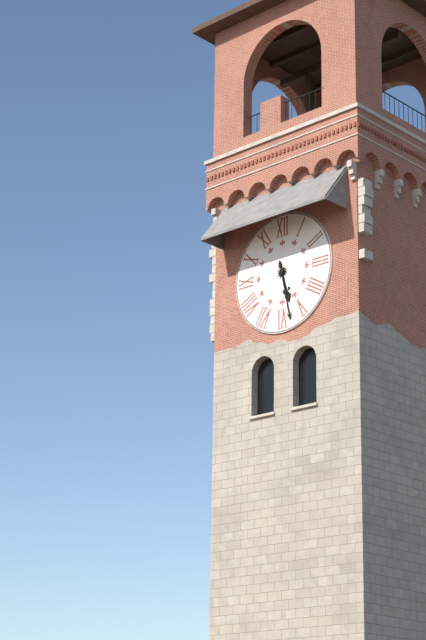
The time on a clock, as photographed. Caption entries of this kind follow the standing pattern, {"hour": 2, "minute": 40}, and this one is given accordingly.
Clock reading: {"hour": 5, "minute": 28}
